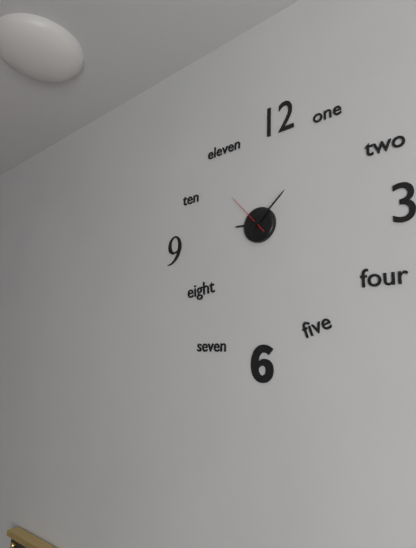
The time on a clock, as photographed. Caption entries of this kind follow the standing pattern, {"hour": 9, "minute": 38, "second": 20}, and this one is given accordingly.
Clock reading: {"hour": 9, "minute": 8, "second": 53}
